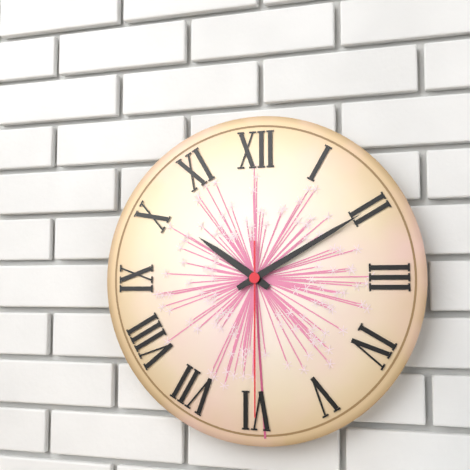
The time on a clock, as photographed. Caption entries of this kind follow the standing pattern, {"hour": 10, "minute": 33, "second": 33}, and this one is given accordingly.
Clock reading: {"hour": 10, "minute": 10, "second": 30}
